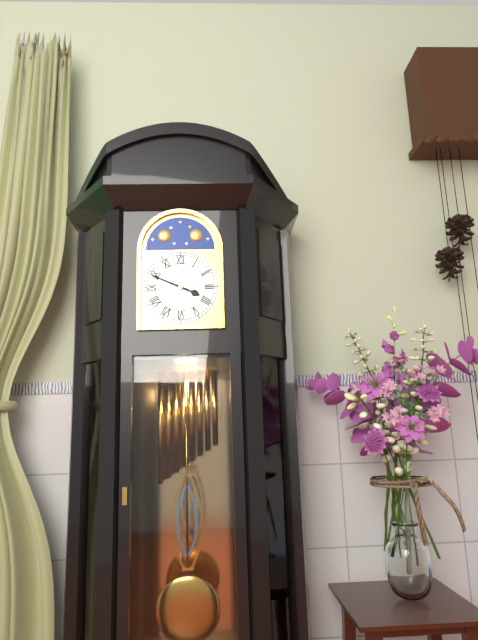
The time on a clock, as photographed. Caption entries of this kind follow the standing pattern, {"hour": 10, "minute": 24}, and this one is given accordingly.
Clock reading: {"hour": 3, "minute": 49}
